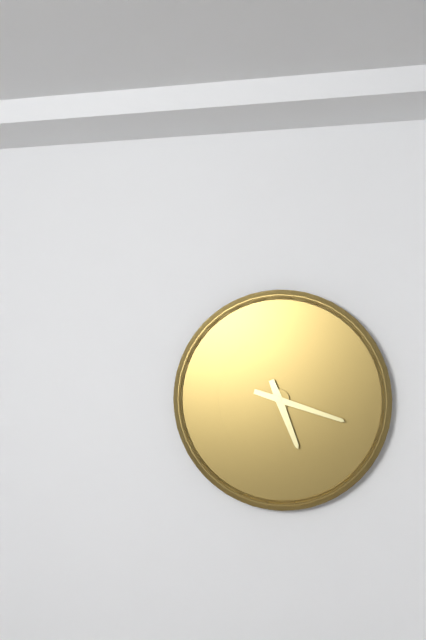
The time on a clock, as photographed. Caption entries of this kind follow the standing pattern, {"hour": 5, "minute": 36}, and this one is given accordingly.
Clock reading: {"hour": 5, "minute": 18}
